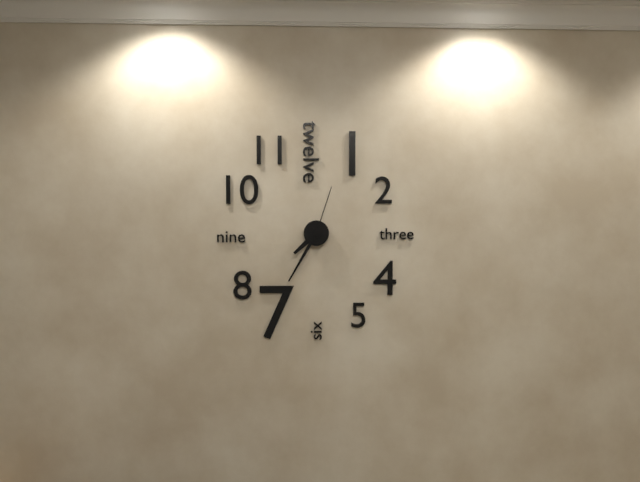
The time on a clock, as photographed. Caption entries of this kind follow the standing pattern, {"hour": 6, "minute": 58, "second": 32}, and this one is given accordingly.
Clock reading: {"hour": 7, "minute": 35, "second": 3}
